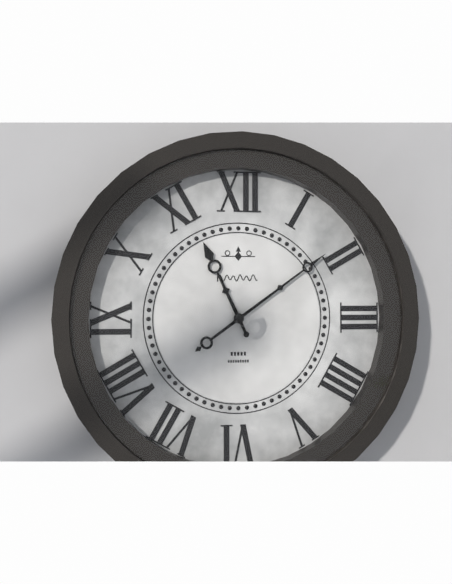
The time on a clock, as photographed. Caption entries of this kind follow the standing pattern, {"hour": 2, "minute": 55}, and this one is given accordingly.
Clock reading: {"hour": 11, "minute": 9}
